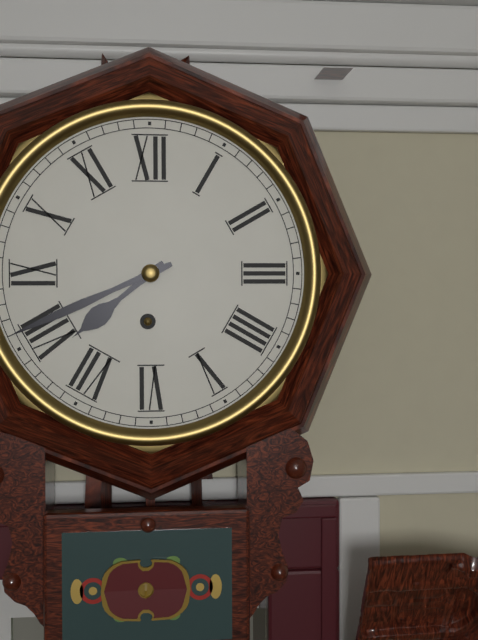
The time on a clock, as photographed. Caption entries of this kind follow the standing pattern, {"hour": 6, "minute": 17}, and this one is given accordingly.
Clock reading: {"hour": 7, "minute": 41}
